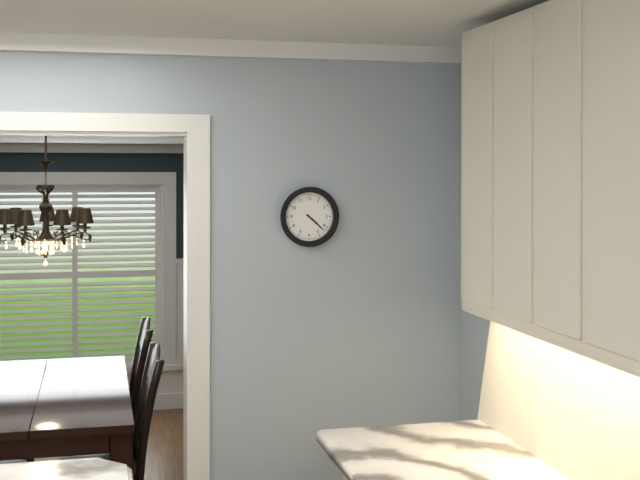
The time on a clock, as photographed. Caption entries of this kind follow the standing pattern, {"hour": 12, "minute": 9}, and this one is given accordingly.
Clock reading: {"hour": 4, "minute": 22}
